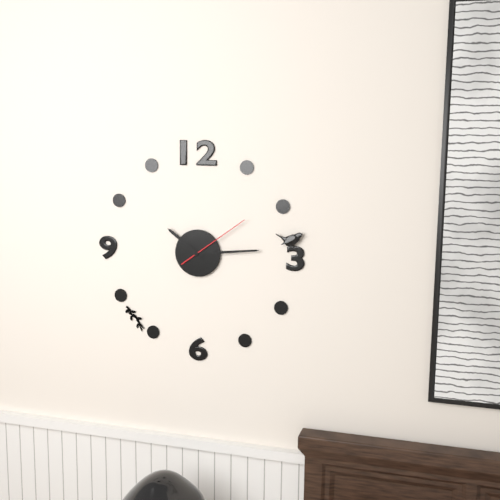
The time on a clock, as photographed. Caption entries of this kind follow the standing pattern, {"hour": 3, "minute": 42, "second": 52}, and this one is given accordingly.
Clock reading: {"hour": 10, "minute": 14, "second": 9}
